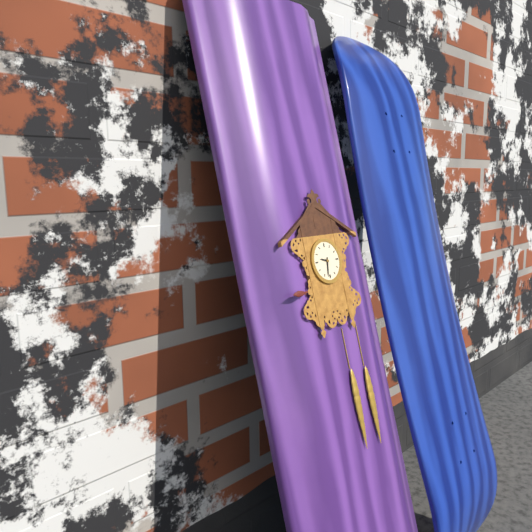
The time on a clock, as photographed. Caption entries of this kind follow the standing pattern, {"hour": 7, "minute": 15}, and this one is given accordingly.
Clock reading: {"hour": 9, "minute": 32}
